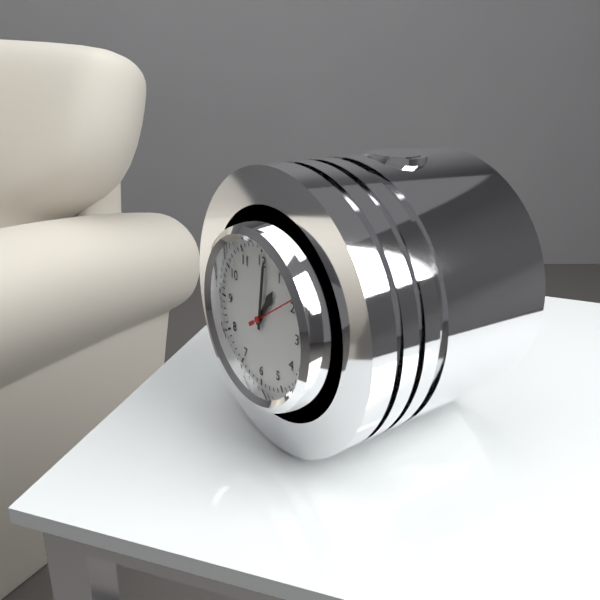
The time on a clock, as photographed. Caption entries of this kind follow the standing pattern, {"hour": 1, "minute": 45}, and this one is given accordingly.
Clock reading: {"hour": 1, "minute": 1}
